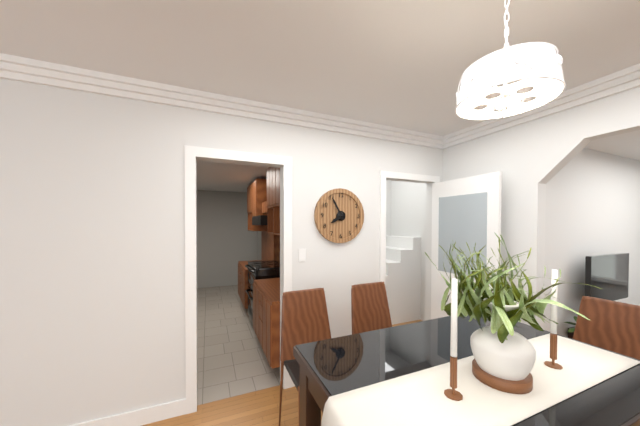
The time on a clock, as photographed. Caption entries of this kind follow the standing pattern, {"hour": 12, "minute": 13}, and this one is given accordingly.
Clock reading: {"hour": 7, "minute": 55}
